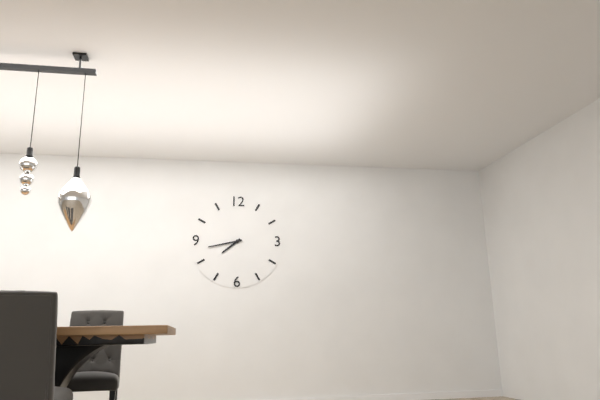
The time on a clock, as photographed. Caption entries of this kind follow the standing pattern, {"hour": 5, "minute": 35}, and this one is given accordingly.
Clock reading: {"hour": 7, "minute": 43}
